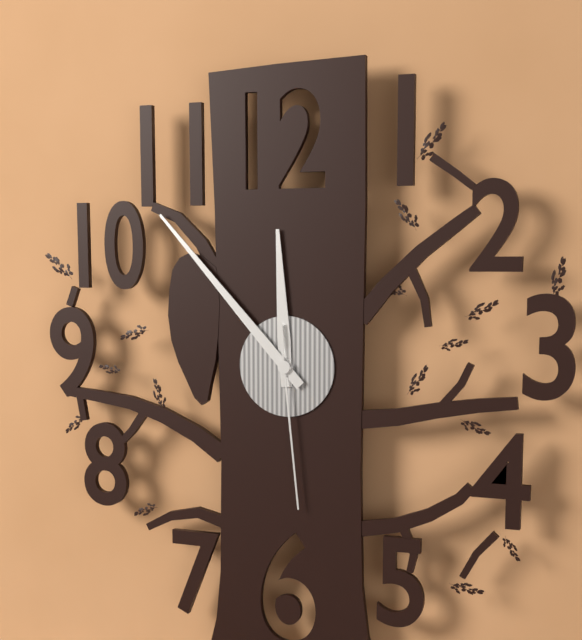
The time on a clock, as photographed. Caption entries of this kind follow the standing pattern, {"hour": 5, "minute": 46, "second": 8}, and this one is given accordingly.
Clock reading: {"hour": 11, "minute": 53, "second": 29}
